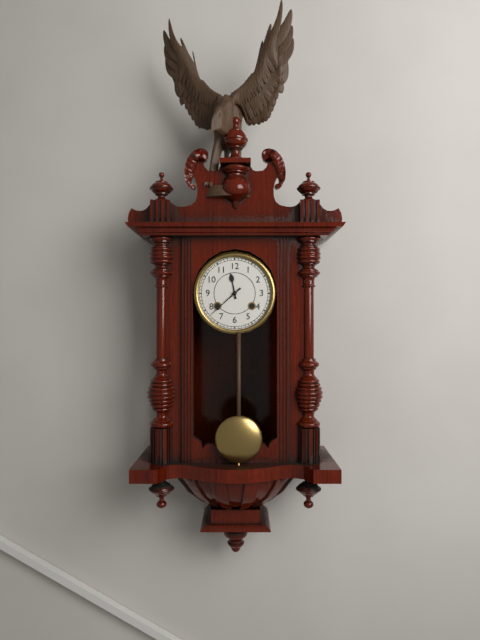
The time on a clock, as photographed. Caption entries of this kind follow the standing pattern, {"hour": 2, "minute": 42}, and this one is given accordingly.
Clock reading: {"hour": 11, "minute": 38}
